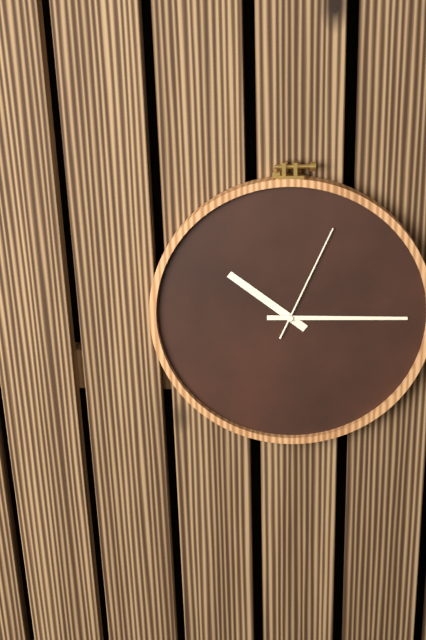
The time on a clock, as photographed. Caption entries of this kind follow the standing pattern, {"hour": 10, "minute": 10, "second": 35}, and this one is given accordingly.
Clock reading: {"hour": 10, "minute": 15, "second": 4}
